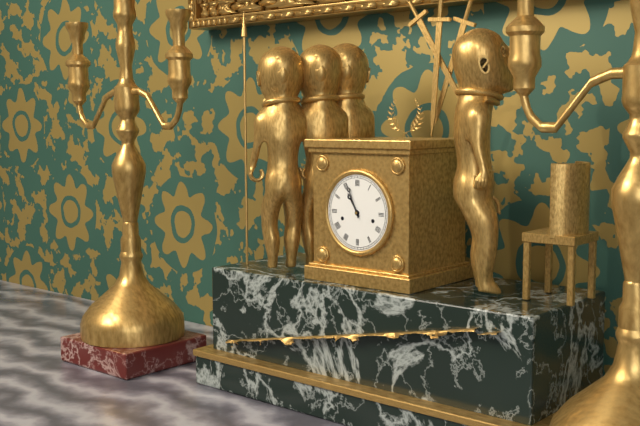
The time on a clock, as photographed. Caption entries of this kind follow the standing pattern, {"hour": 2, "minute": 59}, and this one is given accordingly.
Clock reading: {"hour": 10, "minute": 56}
